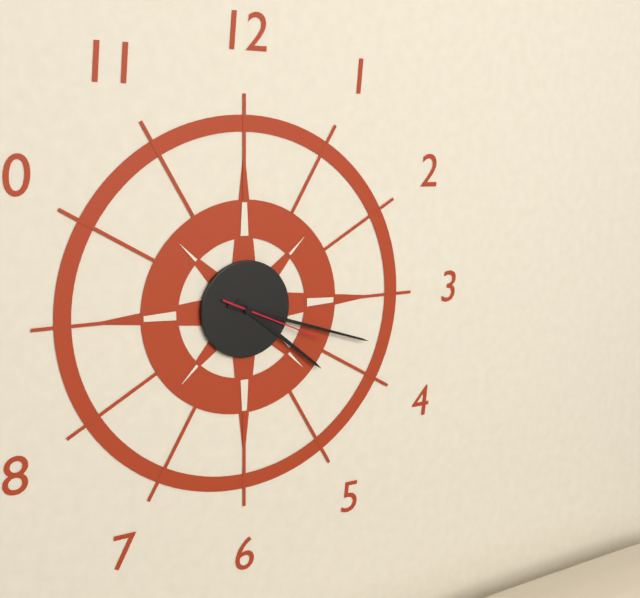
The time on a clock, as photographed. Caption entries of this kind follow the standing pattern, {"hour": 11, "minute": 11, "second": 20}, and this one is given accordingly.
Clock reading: {"hour": 4, "minute": 18, "second": 19}
